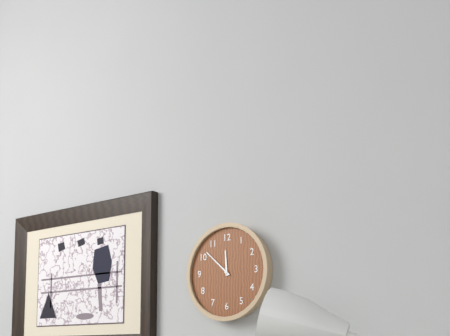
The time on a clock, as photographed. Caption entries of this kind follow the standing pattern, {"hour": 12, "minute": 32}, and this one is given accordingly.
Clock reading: {"hour": 11, "minute": 52}
